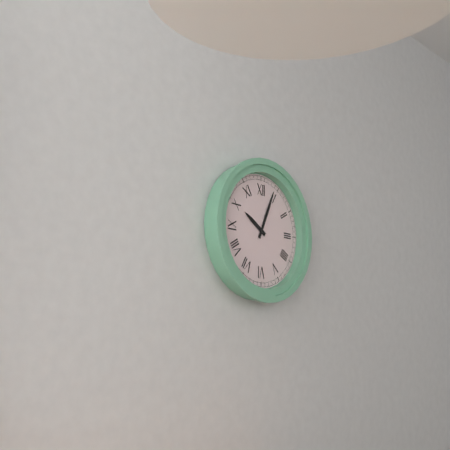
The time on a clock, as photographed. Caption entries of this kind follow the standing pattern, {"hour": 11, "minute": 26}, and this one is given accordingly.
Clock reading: {"hour": 10, "minute": 4}
